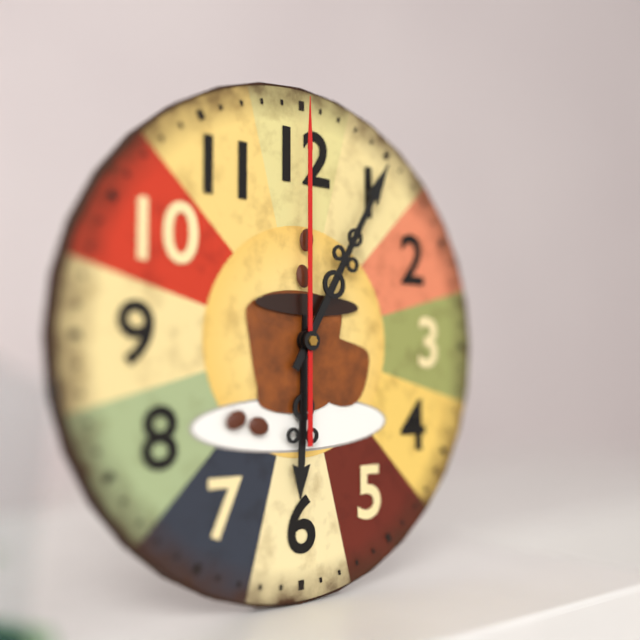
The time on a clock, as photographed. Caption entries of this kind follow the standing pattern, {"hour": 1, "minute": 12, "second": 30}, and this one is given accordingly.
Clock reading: {"hour": 6, "minute": 5, "second": 0}
